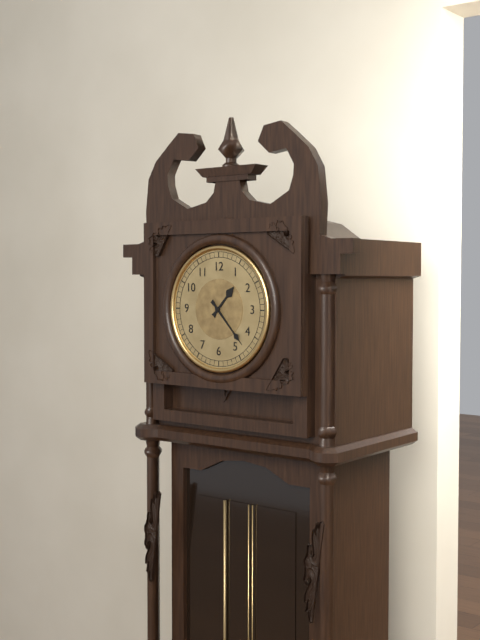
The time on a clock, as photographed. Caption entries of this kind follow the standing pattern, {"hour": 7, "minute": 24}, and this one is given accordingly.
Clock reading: {"hour": 1, "minute": 23}
